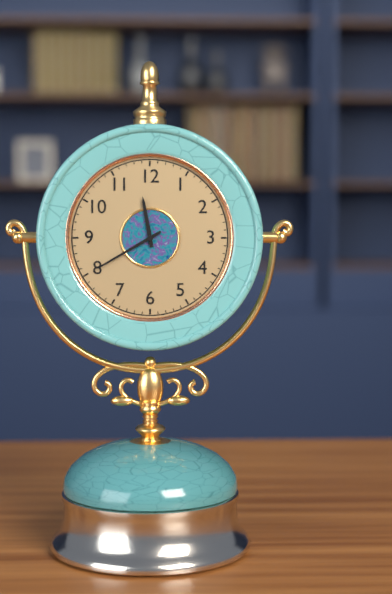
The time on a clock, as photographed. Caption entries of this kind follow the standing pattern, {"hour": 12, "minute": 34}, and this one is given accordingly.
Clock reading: {"hour": 11, "minute": 40}
